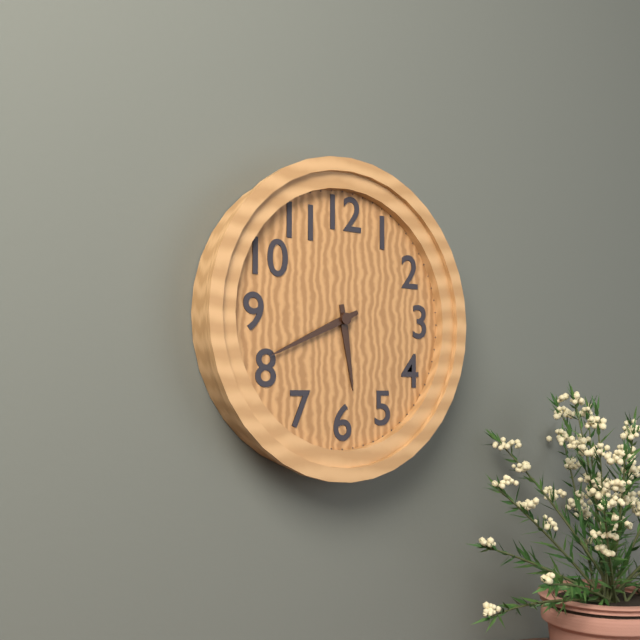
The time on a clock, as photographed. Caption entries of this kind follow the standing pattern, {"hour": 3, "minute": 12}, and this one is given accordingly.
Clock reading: {"hour": 5, "minute": 41}
